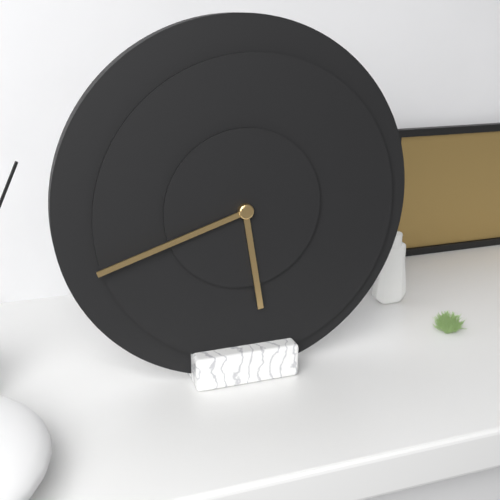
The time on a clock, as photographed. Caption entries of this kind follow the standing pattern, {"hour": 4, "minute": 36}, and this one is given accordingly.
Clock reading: {"hour": 5, "minute": 42}
